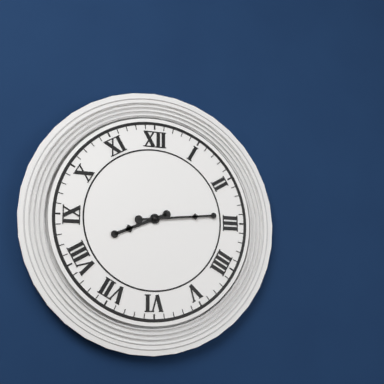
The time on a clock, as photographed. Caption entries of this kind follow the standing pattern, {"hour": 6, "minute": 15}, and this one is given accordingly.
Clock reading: {"hour": 8, "minute": 14}
